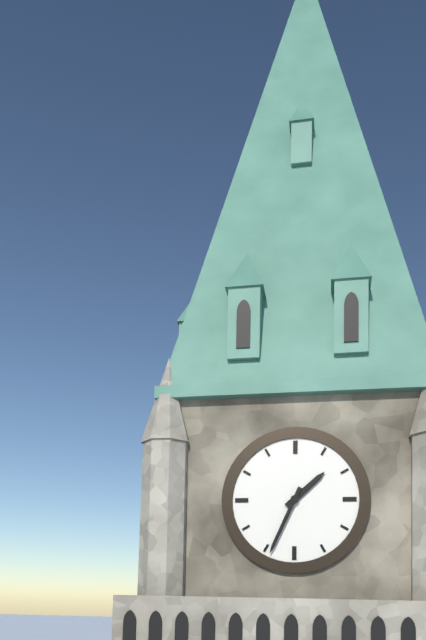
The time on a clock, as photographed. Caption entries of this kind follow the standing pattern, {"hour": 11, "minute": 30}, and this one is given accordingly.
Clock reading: {"hour": 1, "minute": 34}
